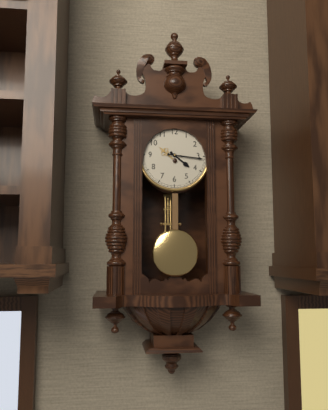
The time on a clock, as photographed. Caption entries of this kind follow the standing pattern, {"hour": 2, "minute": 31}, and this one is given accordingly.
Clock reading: {"hour": 4, "minute": 16}
